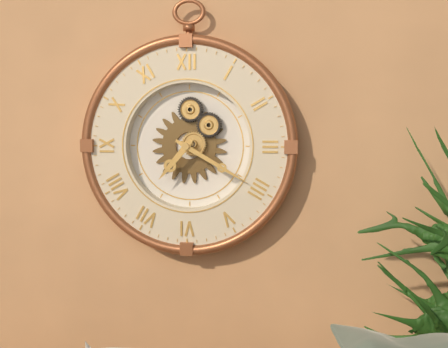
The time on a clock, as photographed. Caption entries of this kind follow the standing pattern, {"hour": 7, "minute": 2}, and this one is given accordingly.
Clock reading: {"hour": 7, "minute": 20}
